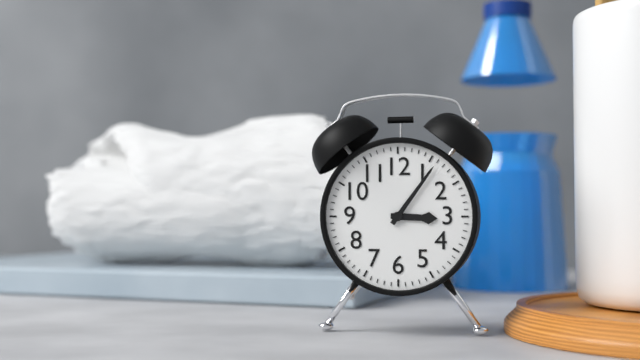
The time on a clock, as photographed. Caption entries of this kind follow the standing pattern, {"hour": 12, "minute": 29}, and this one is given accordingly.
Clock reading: {"hour": 3, "minute": 6}
